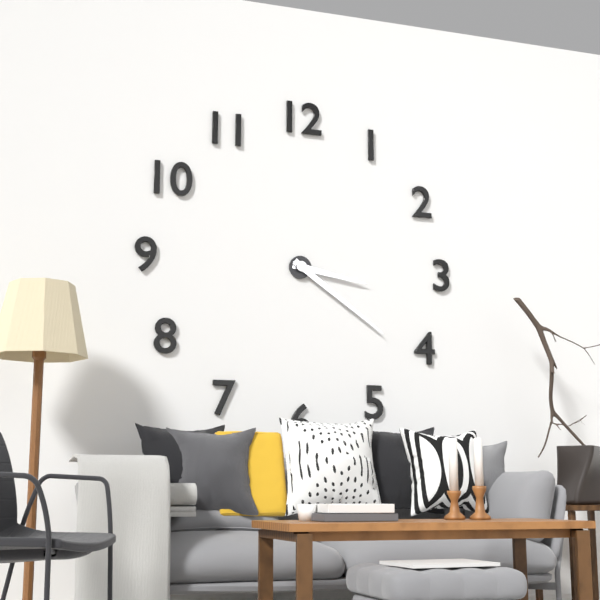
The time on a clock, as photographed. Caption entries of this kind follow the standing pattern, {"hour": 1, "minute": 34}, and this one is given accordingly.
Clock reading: {"hour": 3, "minute": 21}
